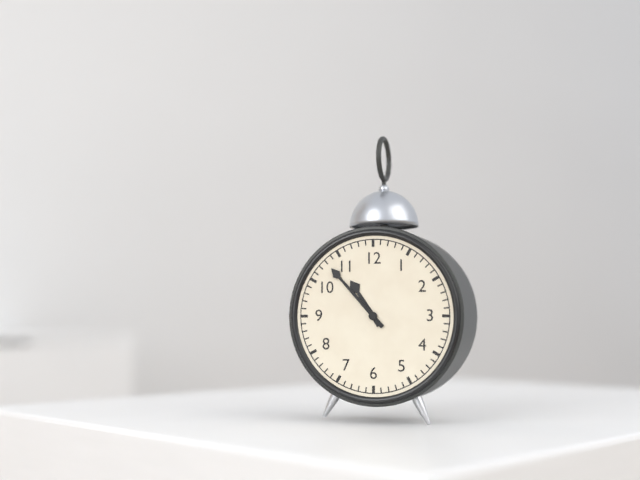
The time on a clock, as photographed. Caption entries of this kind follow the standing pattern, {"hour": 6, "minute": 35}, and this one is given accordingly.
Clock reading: {"hour": 10, "minute": 53}
